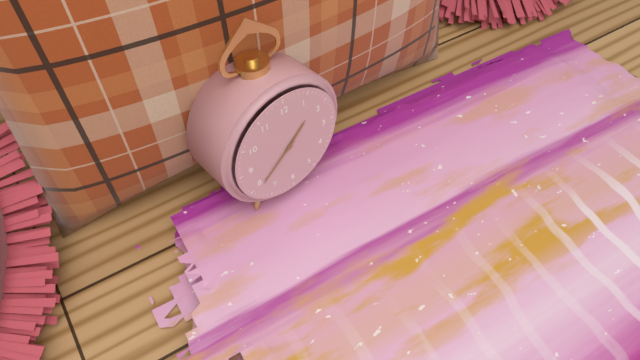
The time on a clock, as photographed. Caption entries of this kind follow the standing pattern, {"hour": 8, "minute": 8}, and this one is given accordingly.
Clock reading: {"hour": 1, "minute": 39}
